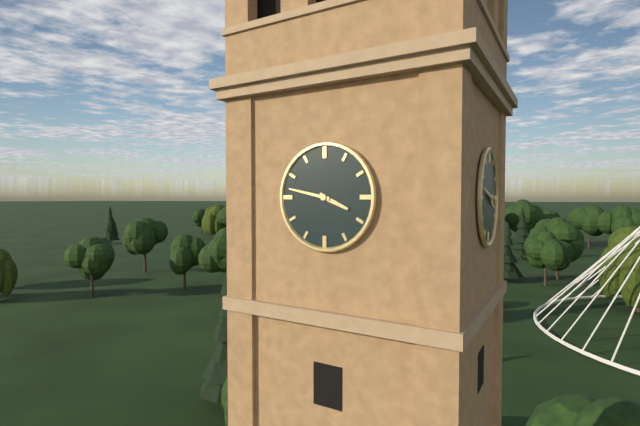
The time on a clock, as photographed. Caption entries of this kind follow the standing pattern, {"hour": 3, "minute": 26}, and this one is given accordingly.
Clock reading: {"hour": 3, "minute": 47}
